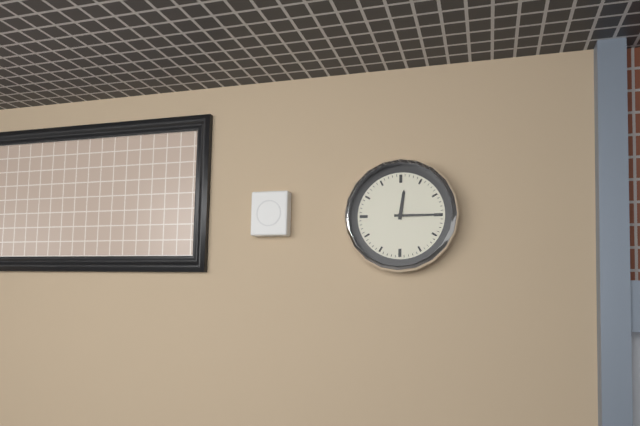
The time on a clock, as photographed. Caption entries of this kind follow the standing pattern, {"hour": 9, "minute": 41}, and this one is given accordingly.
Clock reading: {"hour": 12, "minute": 15}
